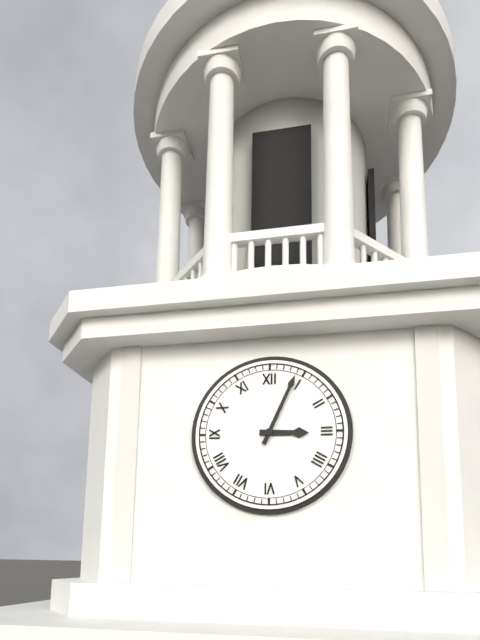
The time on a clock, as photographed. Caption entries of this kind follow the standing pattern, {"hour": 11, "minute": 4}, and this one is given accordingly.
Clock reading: {"hour": 3, "minute": 4}
